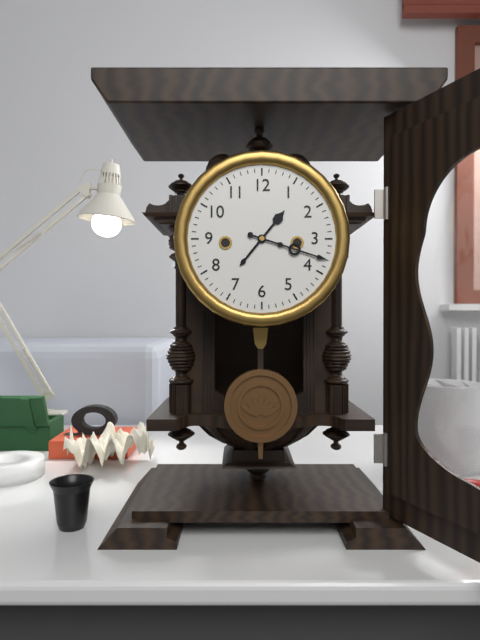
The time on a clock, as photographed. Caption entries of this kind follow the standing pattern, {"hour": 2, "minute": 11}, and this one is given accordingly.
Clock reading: {"hour": 1, "minute": 18}
